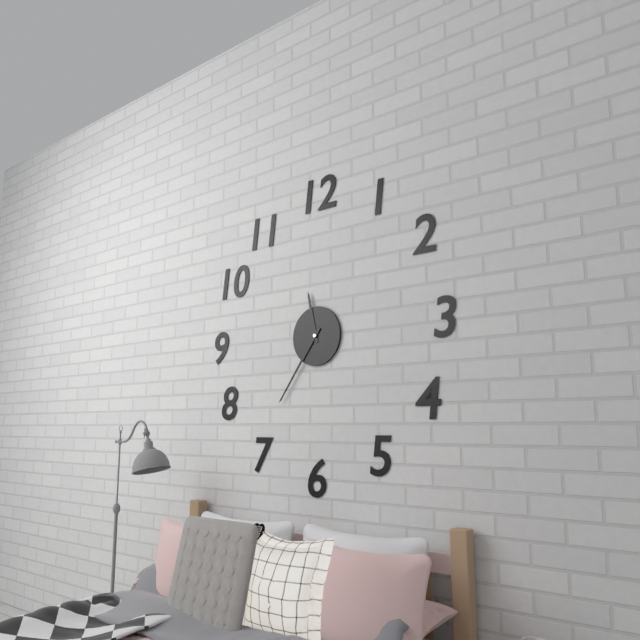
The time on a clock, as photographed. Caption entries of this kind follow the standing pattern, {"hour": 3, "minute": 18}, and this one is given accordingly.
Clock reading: {"hour": 11, "minute": 36}
